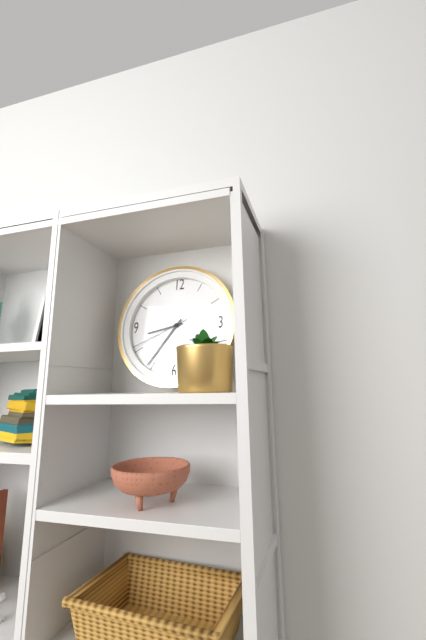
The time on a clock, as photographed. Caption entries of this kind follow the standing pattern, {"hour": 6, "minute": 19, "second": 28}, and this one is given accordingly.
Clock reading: {"hour": 8, "minute": 36, "second": 41}
